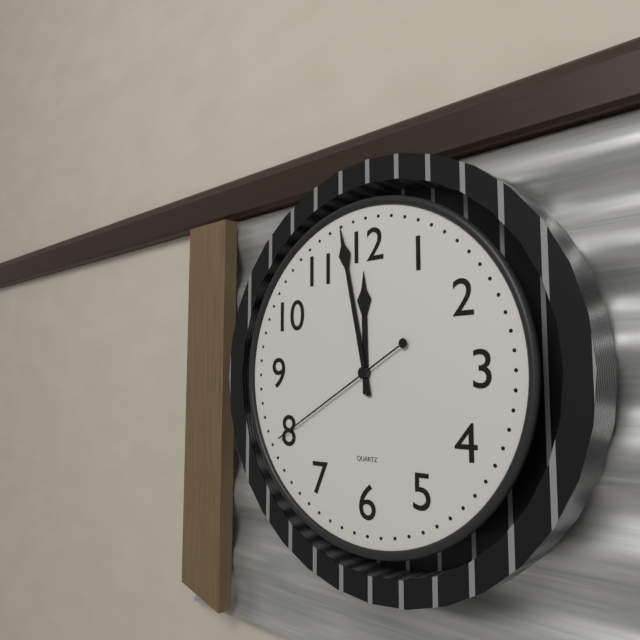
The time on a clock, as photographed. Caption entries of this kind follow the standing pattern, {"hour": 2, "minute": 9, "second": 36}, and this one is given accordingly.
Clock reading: {"hour": 11, "minute": 58, "second": 40}
